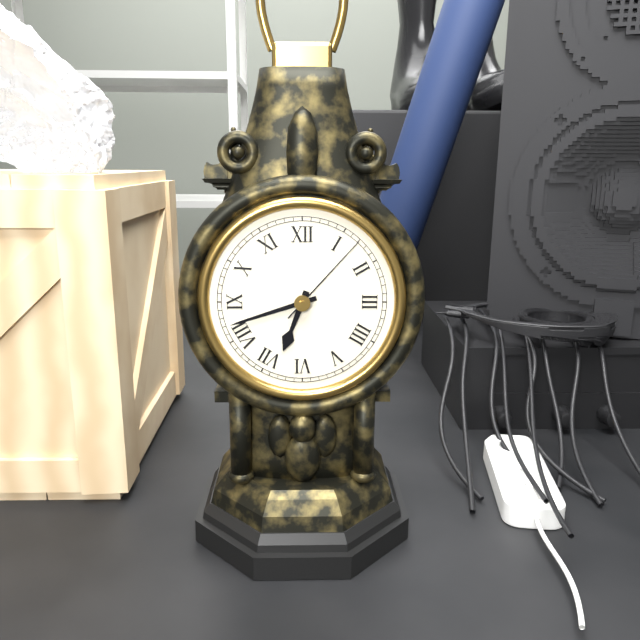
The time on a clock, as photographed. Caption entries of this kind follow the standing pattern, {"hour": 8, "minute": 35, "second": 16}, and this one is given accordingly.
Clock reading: {"hour": 6, "minute": 42, "second": 7}
